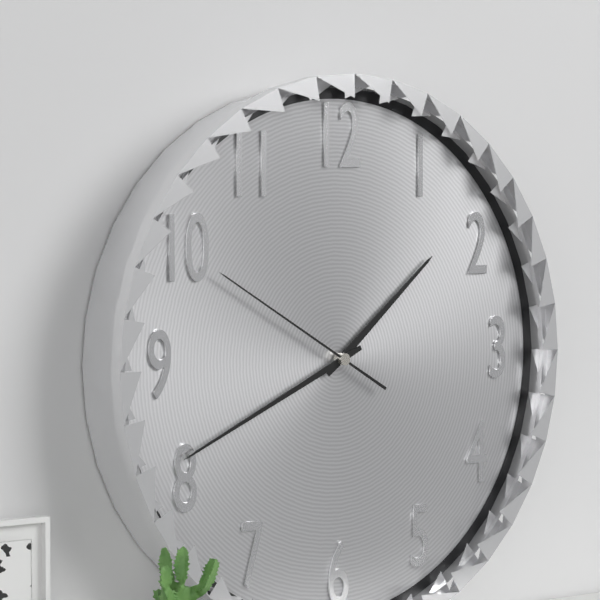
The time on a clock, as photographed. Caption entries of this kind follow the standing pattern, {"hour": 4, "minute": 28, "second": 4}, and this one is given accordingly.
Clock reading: {"hour": 1, "minute": 41, "second": 50}
